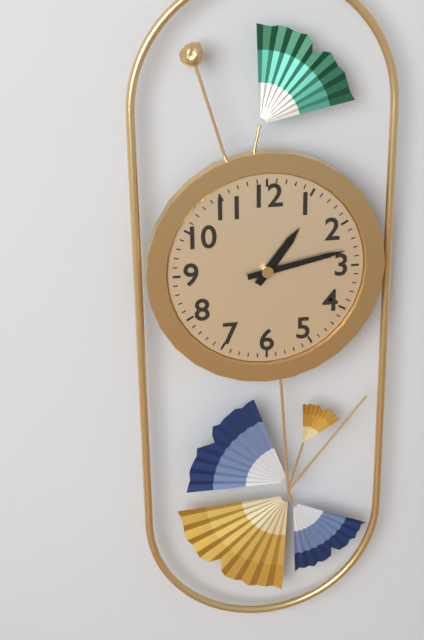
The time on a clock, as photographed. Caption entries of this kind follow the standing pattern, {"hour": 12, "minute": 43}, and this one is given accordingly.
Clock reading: {"hour": 1, "minute": 13}
